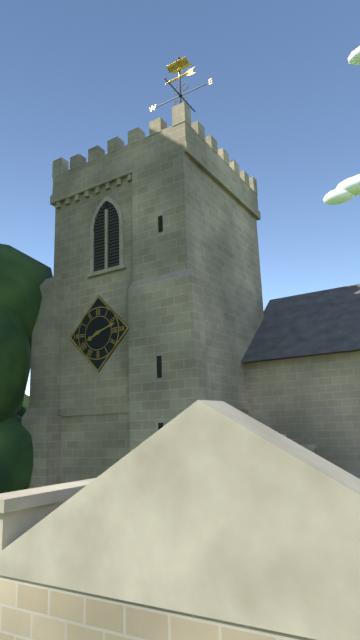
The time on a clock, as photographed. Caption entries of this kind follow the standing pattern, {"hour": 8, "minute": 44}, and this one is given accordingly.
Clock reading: {"hour": 8, "minute": 12}
